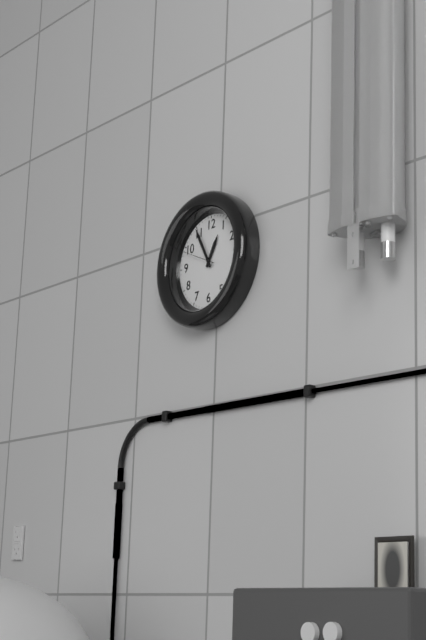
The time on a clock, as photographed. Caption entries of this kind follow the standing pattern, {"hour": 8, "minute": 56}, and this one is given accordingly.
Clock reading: {"hour": 12, "minute": 55}
